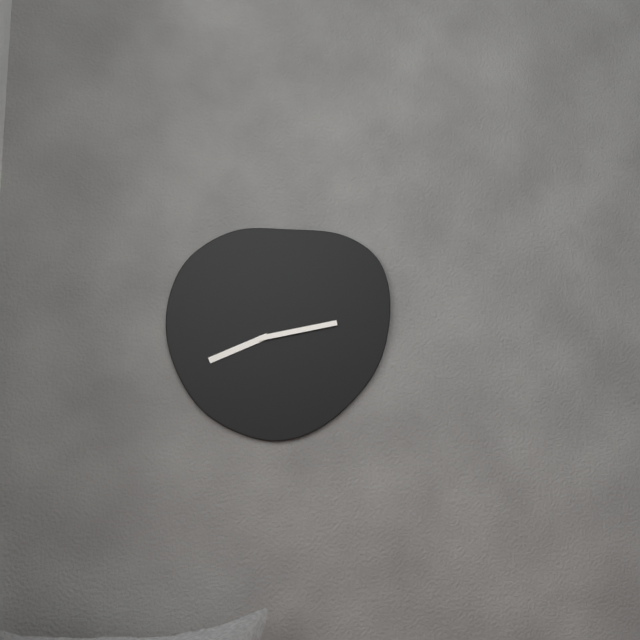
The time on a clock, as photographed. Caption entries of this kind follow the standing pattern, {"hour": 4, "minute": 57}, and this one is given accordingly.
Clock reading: {"hour": 8, "minute": 13}
